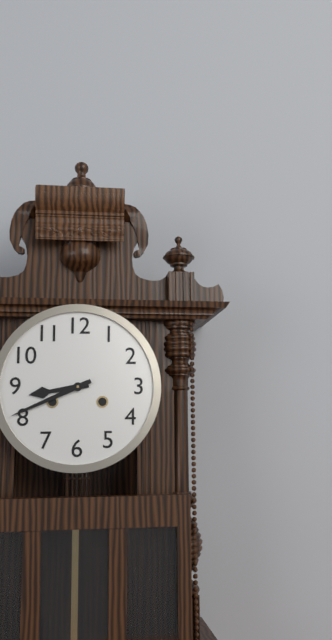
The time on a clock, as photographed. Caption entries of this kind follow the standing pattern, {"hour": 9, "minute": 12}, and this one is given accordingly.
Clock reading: {"hour": 8, "minute": 41}
